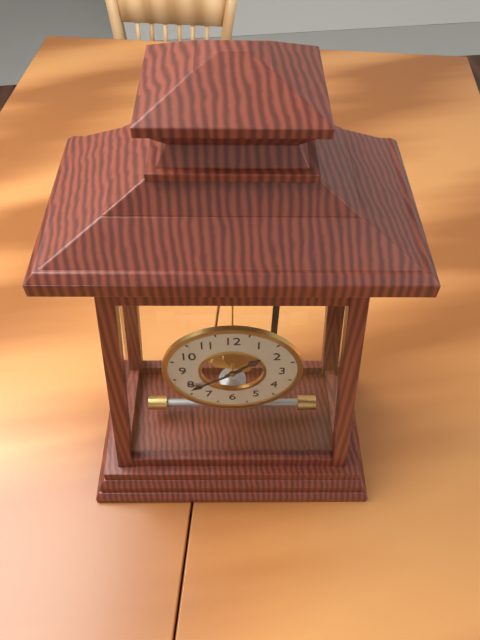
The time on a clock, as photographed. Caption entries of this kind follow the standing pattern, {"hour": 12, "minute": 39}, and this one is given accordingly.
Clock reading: {"hour": 1, "minute": 39}
